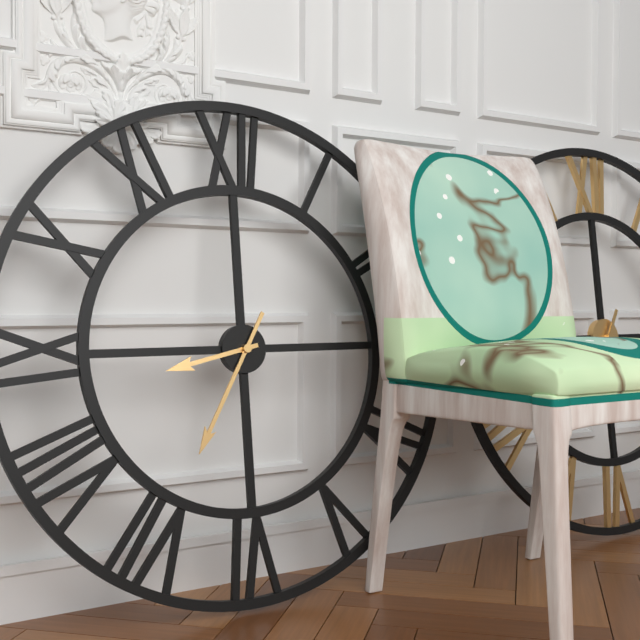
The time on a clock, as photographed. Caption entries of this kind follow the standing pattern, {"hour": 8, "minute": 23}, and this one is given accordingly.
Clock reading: {"hour": 8, "minute": 35}
